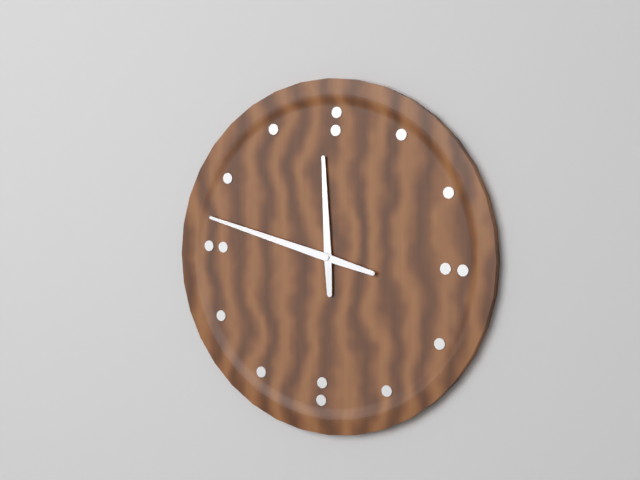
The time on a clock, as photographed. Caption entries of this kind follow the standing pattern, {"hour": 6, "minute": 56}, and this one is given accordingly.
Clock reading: {"hour": 11, "minute": 47}
